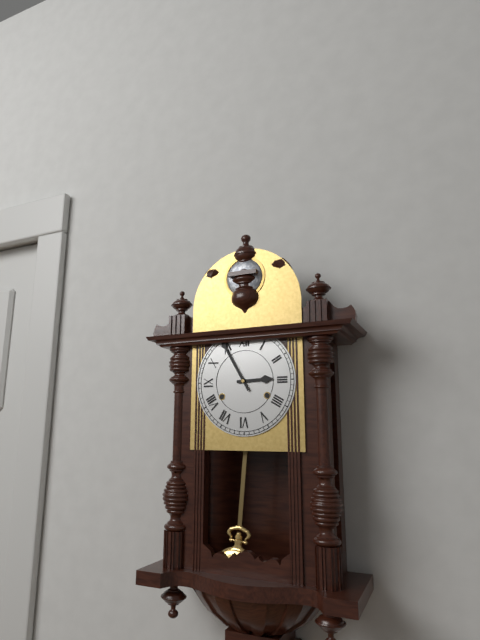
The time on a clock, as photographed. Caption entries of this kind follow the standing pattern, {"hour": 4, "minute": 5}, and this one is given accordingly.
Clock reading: {"hour": 2, "minute": 55}
